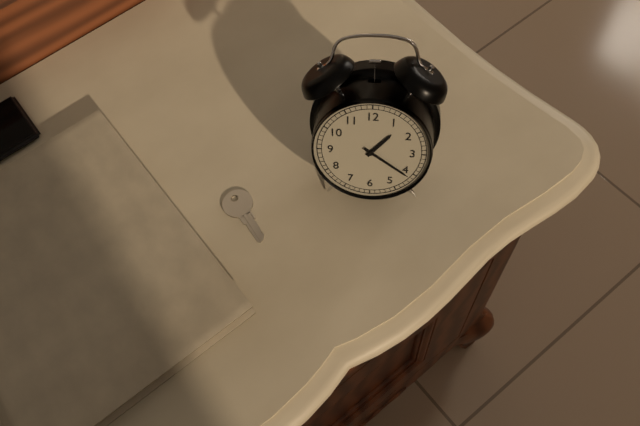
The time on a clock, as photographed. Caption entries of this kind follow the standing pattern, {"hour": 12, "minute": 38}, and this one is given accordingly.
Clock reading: {"hour": 1, "minute": 21}
